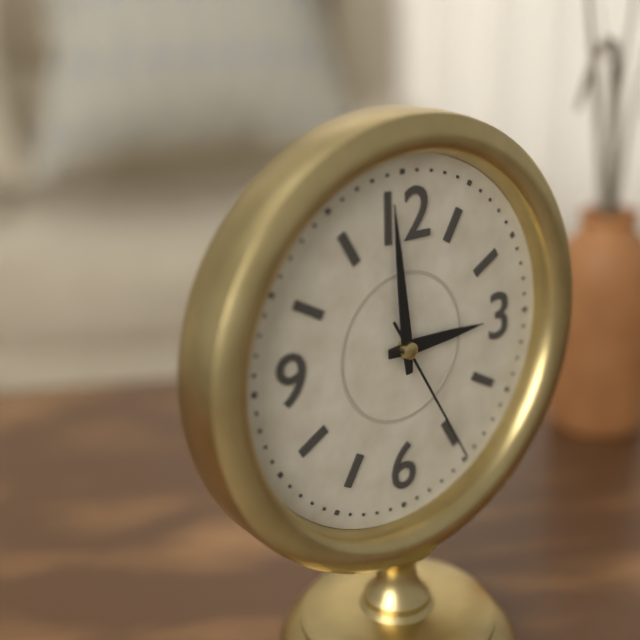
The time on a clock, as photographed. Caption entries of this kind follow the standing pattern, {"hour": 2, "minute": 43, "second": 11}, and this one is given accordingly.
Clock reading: {"hour": 2, "minute": 59, "second": 25}
